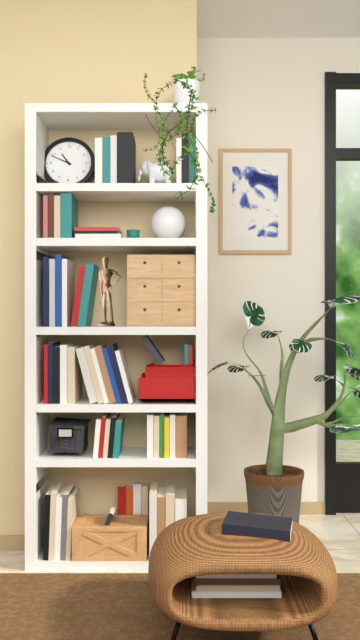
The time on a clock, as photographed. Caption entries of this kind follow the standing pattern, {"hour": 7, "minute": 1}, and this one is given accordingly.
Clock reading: {"hour": 10, "minute": 49}
